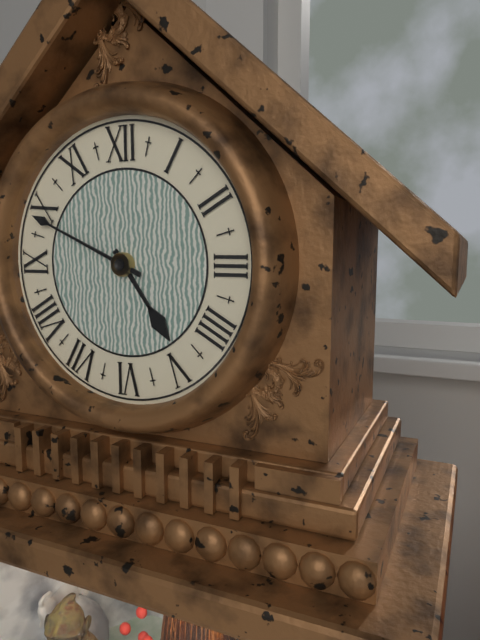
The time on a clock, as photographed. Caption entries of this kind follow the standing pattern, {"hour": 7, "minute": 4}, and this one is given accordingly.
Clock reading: {"hour": 4, "minute": 49}
